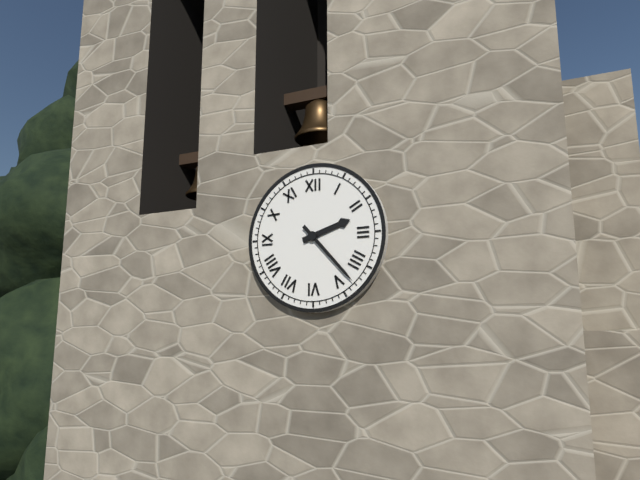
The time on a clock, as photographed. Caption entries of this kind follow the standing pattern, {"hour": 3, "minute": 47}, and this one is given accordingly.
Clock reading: {"hour": 2, "minute": 23}
